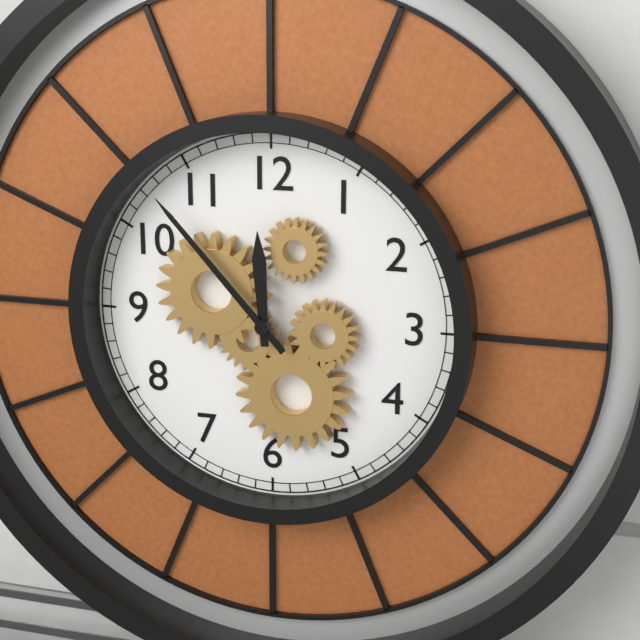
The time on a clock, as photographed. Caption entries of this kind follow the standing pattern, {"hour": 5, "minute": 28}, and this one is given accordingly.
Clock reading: {"hour": 11, "minute": 53}
